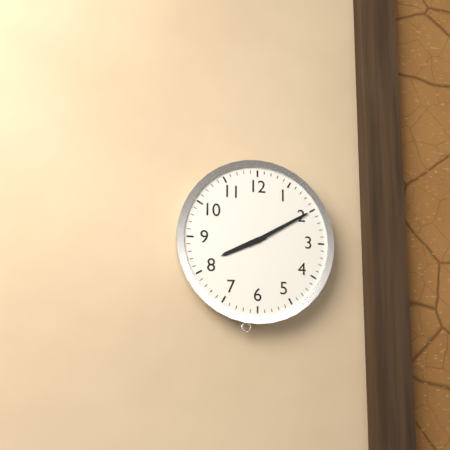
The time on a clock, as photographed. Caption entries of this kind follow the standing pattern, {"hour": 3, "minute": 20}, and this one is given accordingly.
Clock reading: {"hour": 8, "minute": 10}
